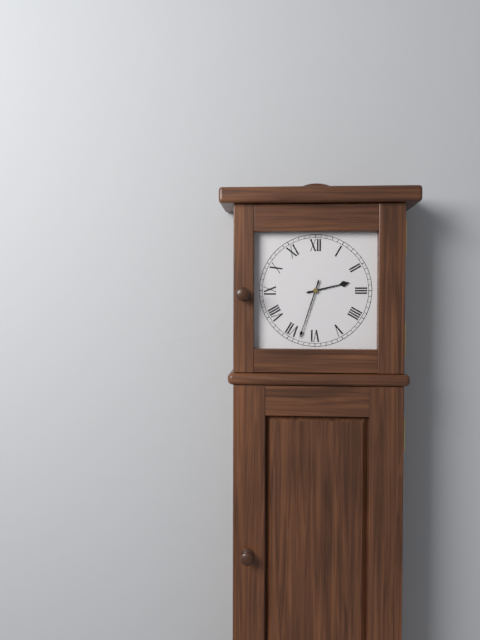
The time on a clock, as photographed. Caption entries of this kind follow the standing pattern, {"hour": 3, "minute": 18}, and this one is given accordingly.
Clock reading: {"hour": 2, "minute": 33}
